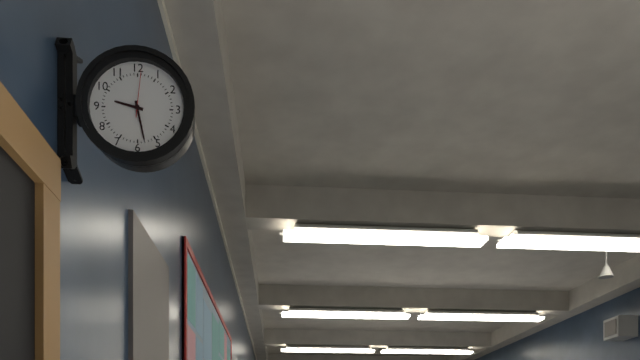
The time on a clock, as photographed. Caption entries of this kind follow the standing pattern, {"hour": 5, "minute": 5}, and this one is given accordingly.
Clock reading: {"hour": 9, "minute": 28}
